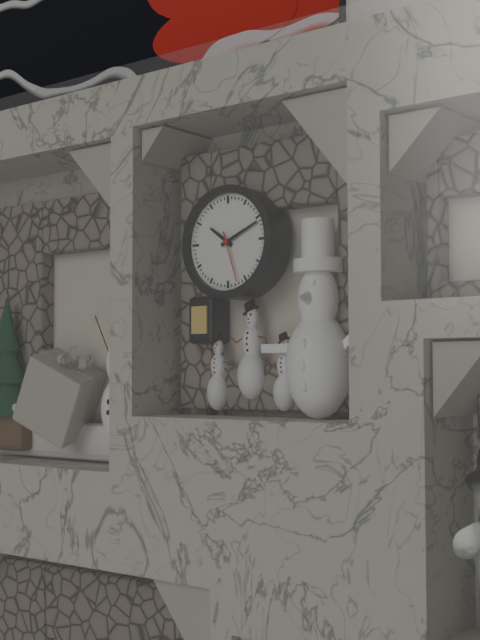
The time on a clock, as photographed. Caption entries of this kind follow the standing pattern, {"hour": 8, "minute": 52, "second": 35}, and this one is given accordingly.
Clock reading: {"hour": 10, "minute": 11, "second": 27}
